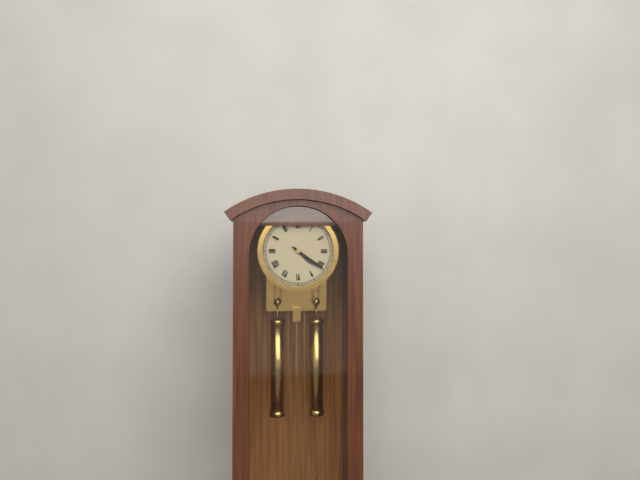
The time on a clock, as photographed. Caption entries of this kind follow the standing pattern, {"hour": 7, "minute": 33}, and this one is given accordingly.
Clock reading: {"hour": 4, "minute": 21}
